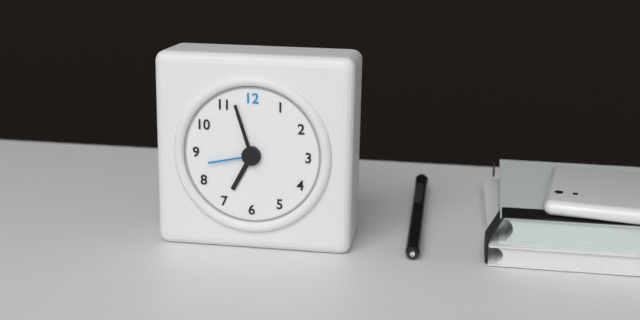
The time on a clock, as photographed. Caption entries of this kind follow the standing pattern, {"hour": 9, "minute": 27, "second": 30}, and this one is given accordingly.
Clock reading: {"hour": 6, "minute": 57, "second": 43}
